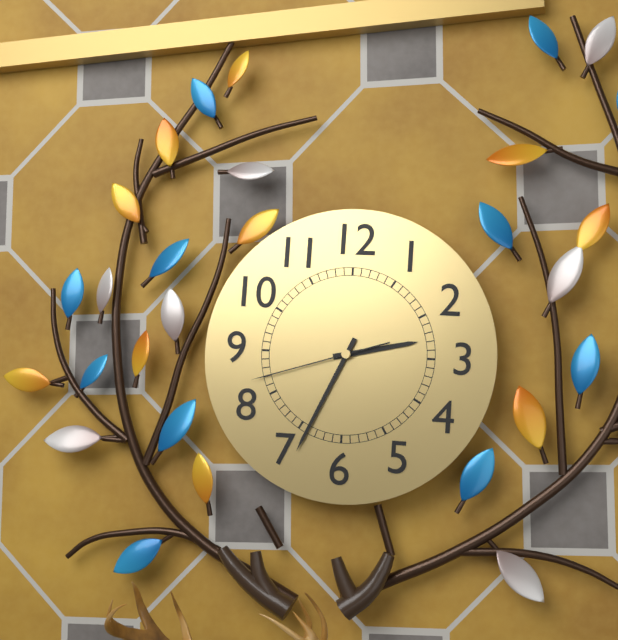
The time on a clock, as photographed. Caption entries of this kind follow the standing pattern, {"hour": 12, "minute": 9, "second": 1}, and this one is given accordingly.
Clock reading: {"hour": 2, "minute": 34, "second": 42}
